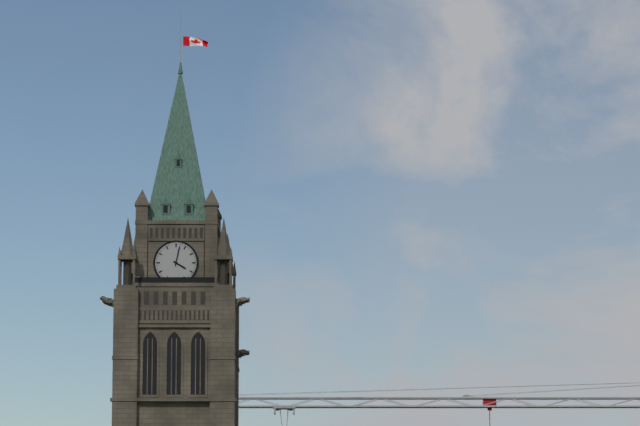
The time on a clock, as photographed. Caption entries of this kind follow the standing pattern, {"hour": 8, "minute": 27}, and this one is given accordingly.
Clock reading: {"hour": 4, "minute": 2}
